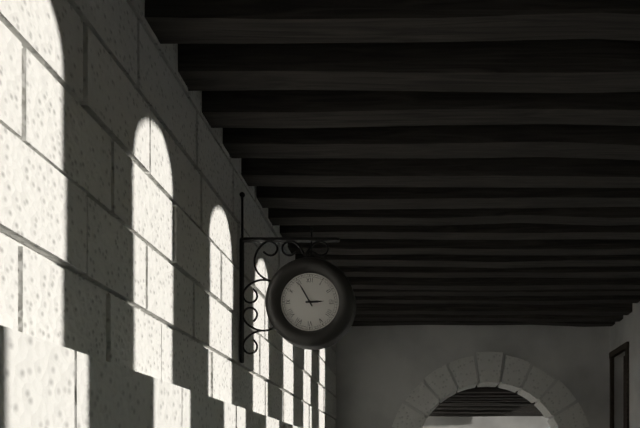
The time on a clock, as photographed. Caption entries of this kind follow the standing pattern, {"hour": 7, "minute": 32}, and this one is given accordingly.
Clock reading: {"hour": 2, "minute": 55}
